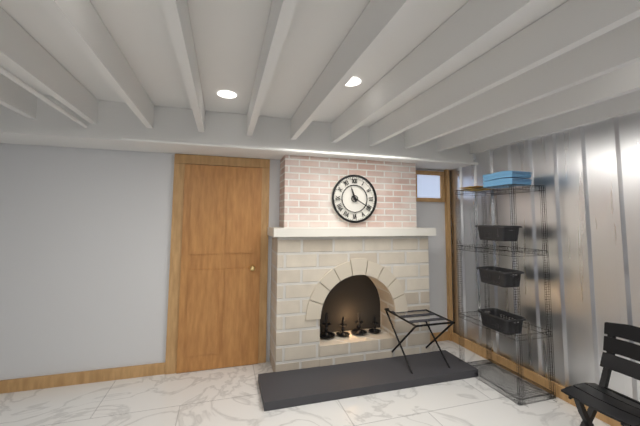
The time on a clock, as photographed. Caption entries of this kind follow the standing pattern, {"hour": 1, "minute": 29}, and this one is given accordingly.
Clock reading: {"hour": 11, "minute": 20}
